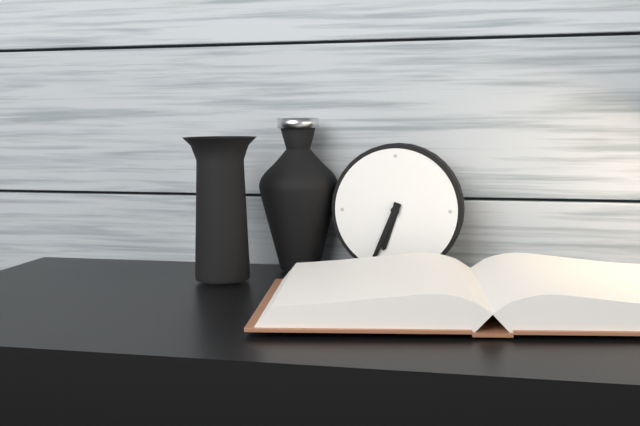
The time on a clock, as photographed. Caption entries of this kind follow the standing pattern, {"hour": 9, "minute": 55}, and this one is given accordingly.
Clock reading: {"hour": 6, "minute": 34}
